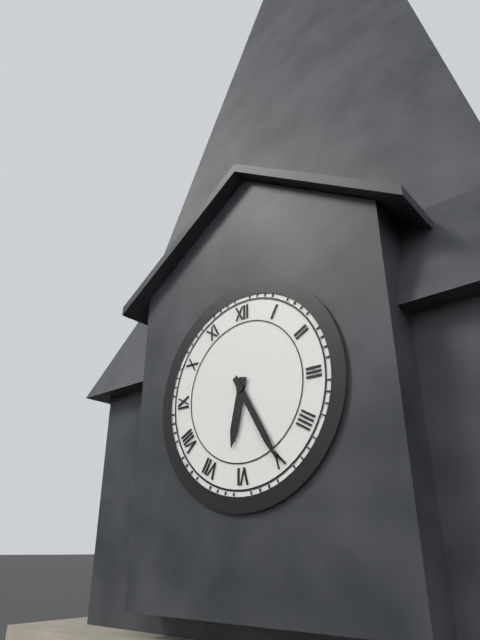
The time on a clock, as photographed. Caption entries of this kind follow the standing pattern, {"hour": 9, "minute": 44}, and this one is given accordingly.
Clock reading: {"hour": 6, "minute": 25}
